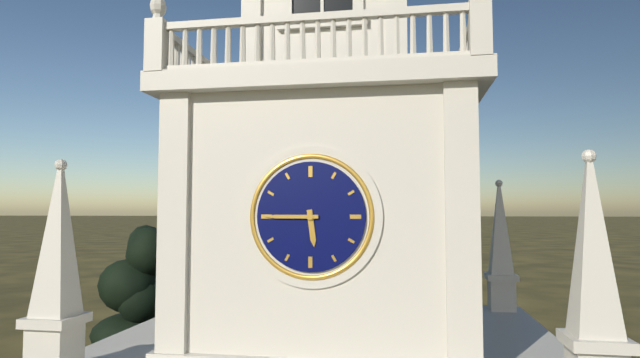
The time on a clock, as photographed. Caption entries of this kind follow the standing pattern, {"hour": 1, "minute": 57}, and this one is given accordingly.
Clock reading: {"hour": 5, "minute": 45}
